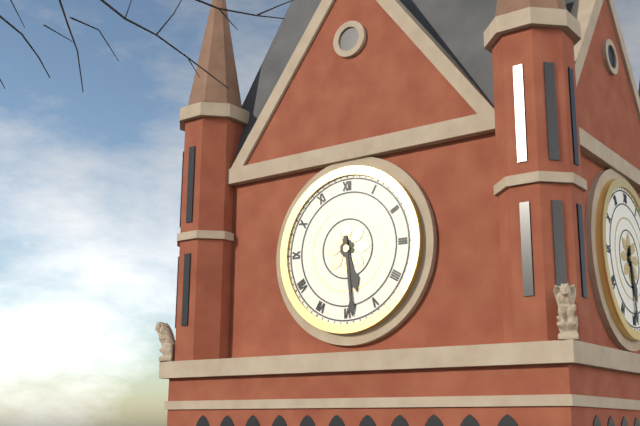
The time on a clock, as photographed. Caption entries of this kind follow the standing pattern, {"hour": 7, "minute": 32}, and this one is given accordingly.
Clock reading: {"hour": 5, "minute": 29}
